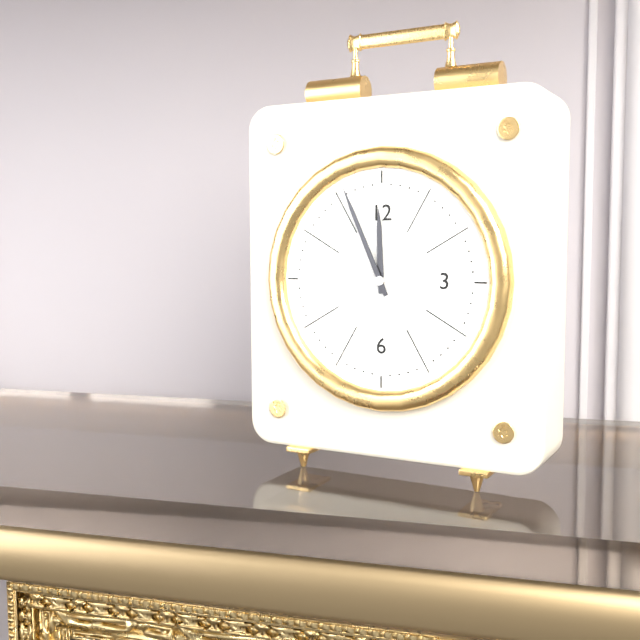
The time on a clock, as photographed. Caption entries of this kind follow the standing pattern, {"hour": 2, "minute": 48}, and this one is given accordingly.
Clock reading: {"hour": 11, "minute": 56}
